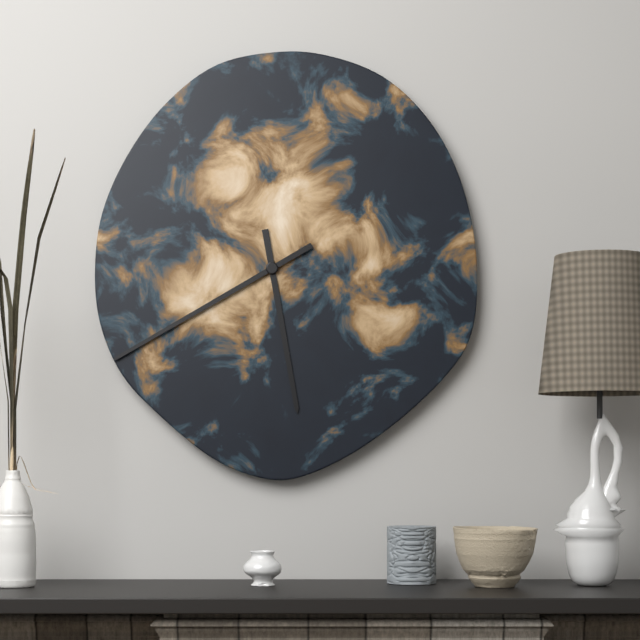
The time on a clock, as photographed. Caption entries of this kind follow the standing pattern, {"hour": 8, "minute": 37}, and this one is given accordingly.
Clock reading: {"hour": 5, "minute": 40}
